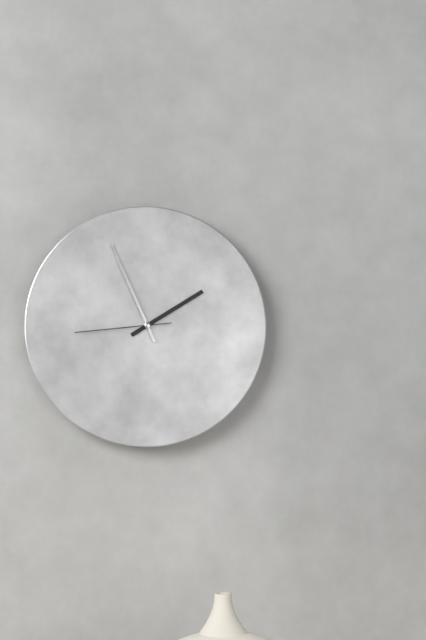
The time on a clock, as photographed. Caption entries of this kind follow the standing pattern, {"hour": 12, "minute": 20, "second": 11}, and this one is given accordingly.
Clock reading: {"hour": 1, "minute": 56, "second": 44}
